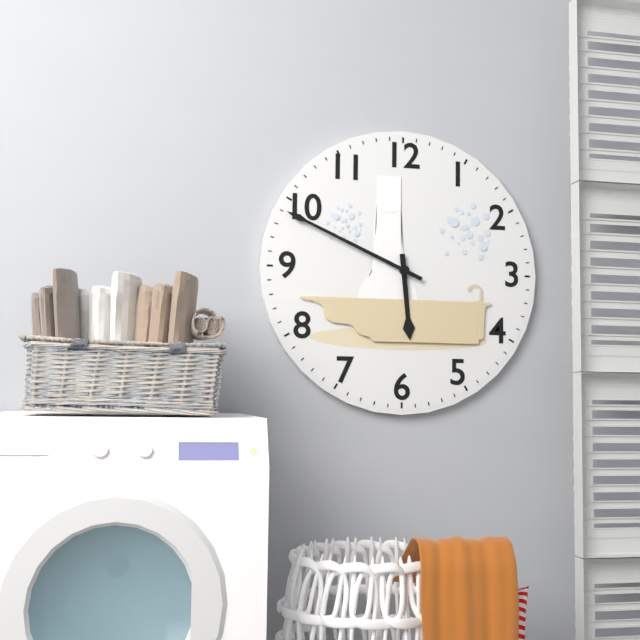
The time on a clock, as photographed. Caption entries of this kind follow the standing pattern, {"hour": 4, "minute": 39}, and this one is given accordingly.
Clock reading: {"hour": 5, "minute": 49}
